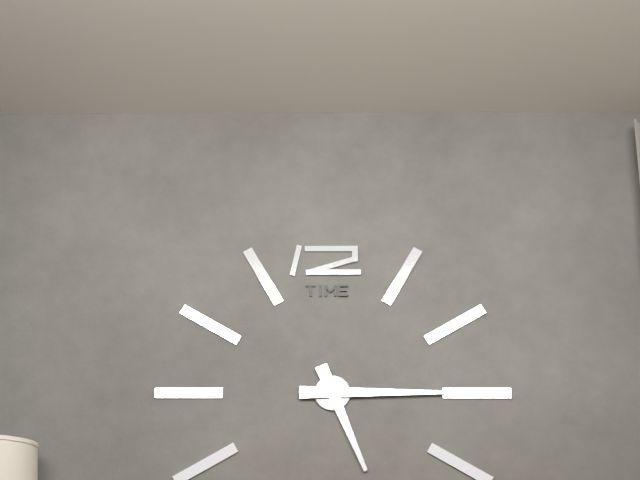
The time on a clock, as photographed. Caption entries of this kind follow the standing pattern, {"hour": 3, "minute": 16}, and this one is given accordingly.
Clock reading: {"hour": 5, "minute": 15}
